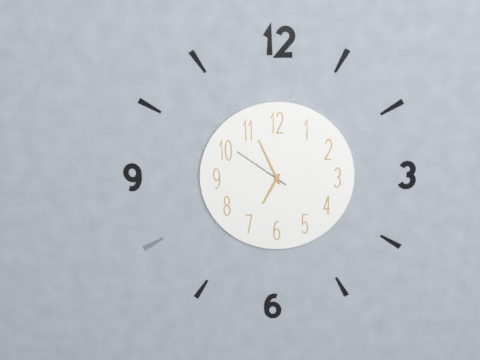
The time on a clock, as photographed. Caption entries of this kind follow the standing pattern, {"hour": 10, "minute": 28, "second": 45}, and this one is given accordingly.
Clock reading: {"hour": 6, "minute": 56, "second": 51}
